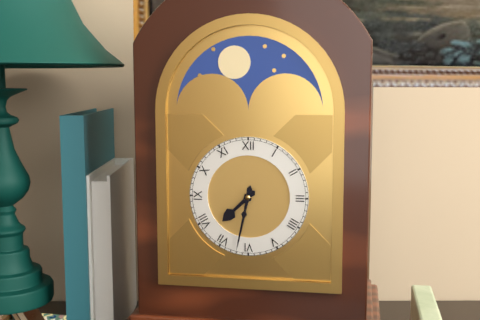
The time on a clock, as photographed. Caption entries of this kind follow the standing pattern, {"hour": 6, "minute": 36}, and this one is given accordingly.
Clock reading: {"hour": 7, "minute": 32}
